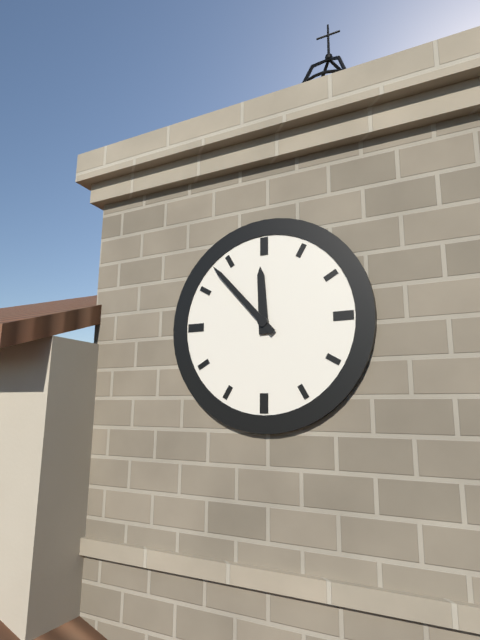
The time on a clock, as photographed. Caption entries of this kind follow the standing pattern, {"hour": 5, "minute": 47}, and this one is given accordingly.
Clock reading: {"hour": 11, "minute": 53}
